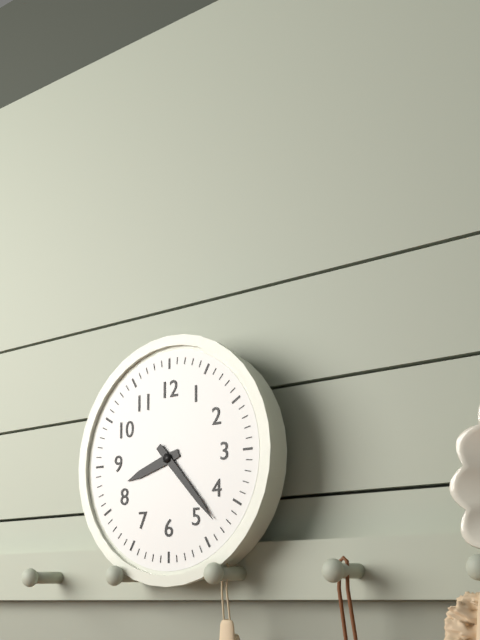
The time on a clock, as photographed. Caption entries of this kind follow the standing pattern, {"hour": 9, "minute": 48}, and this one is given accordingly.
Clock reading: {"hour": 8, "minute": 23}
